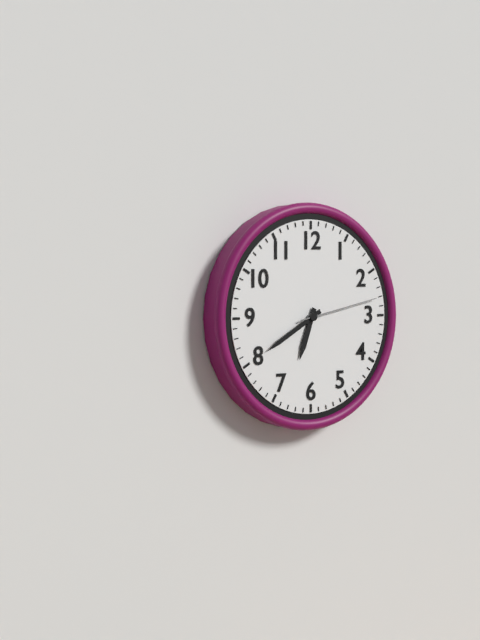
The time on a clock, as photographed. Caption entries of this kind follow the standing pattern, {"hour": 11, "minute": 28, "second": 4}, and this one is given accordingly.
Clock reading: {"hour": 6, "minute": 40, "second": 13}
